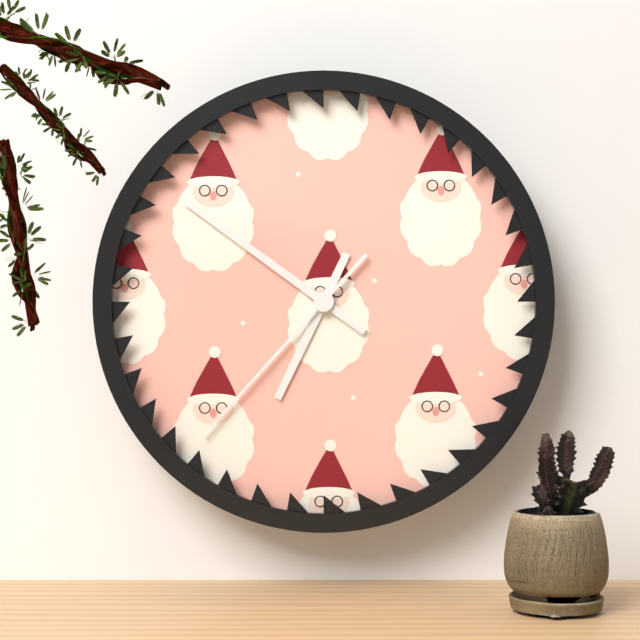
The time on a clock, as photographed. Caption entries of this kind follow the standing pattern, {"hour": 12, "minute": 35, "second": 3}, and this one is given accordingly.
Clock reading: {"hour": 6, "minute": 51, "second": 37}
